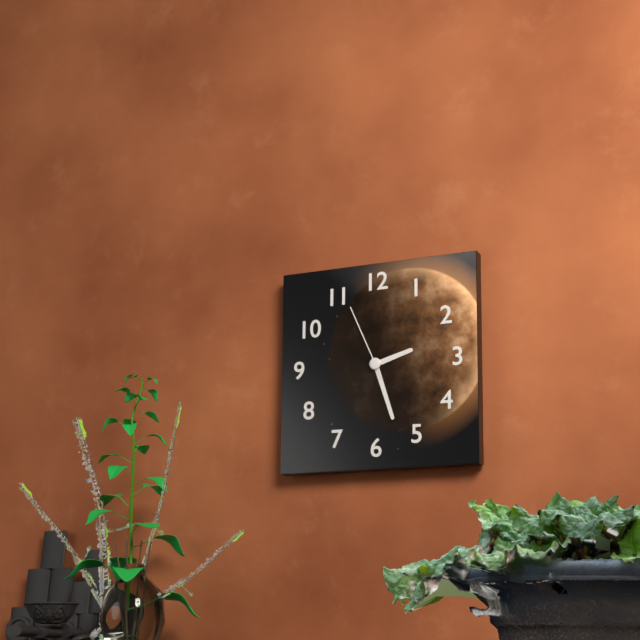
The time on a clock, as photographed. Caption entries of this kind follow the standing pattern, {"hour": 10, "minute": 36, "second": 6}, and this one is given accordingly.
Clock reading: {"hour": 2, "minute": 27, "second": 56}
